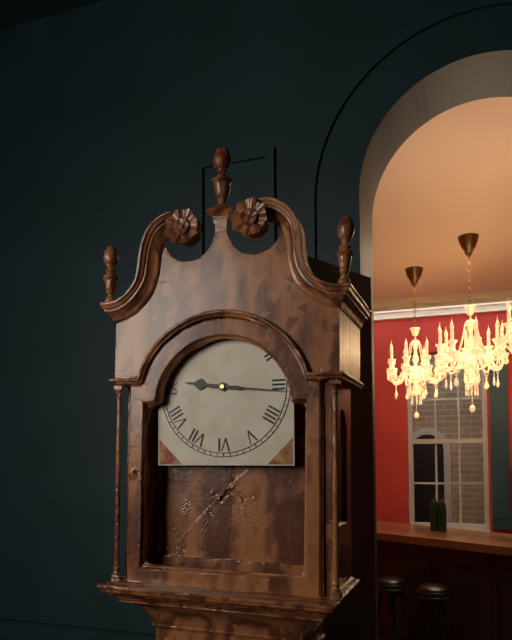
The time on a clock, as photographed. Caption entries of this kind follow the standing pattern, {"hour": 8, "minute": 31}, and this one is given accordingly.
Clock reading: {"hour": 9, "minute": 16}
